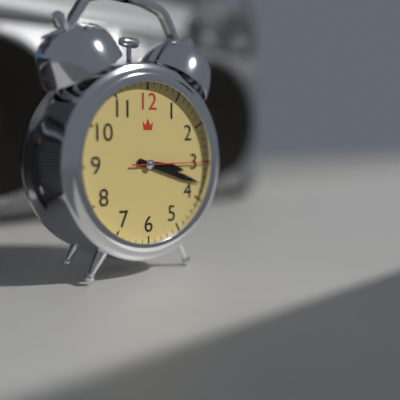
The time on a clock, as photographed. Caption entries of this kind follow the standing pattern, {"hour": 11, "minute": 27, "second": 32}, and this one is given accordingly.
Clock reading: {"hour": 3, "minute": 18, "second": 15}
